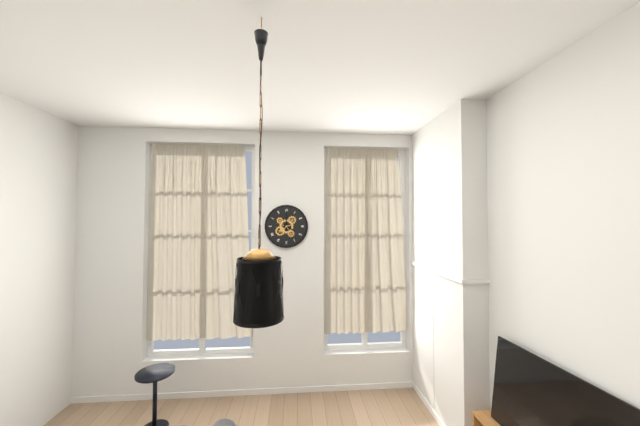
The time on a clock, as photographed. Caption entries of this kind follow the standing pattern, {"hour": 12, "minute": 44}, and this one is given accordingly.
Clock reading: {"hour": 4, "minute": 0}
